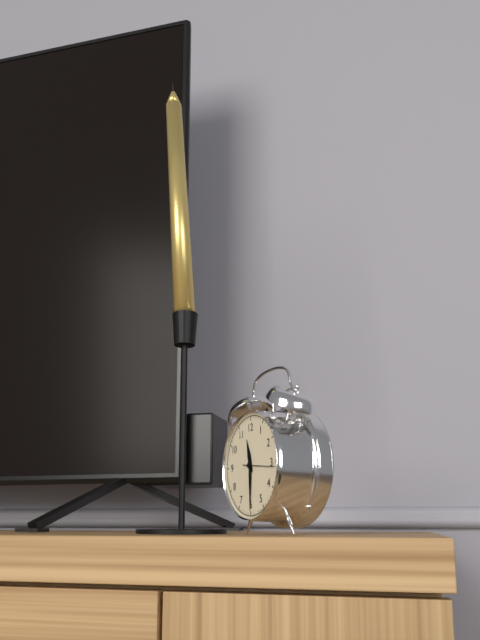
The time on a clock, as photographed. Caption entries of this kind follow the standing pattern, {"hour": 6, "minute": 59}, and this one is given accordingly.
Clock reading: {"hour": 11, "minute": 30}
